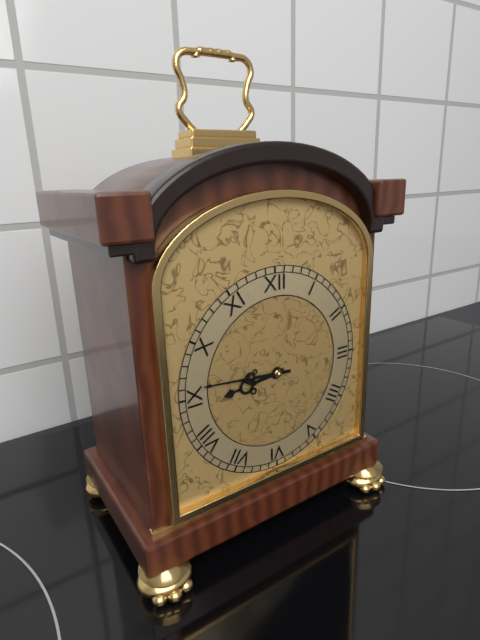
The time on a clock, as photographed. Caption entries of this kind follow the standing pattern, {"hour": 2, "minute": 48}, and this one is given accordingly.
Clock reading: {"hour": 8, "minute": 46}
